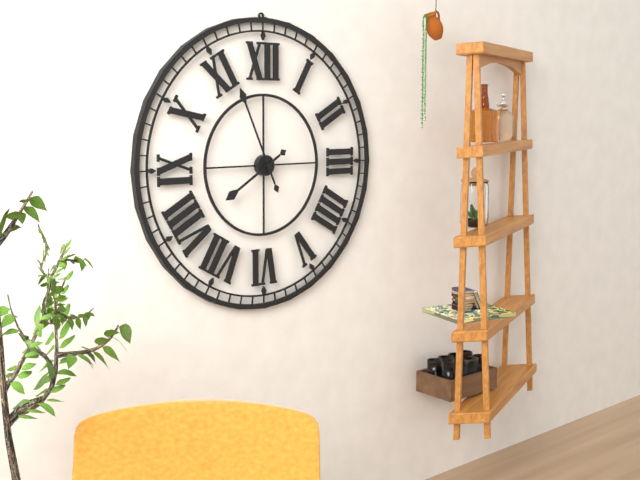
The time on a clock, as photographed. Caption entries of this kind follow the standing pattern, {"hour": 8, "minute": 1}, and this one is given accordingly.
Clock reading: {"hour": 7, "minute": 56}
